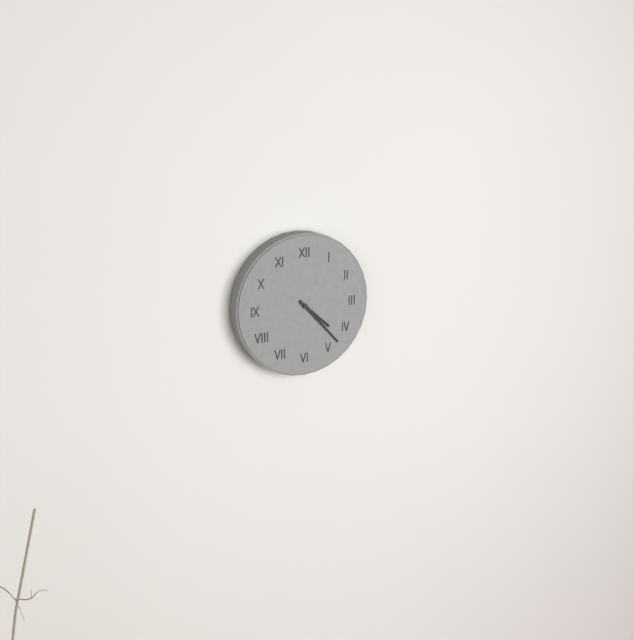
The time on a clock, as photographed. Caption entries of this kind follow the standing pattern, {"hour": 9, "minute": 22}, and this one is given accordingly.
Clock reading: {"hour": 4, "minute": 23}
